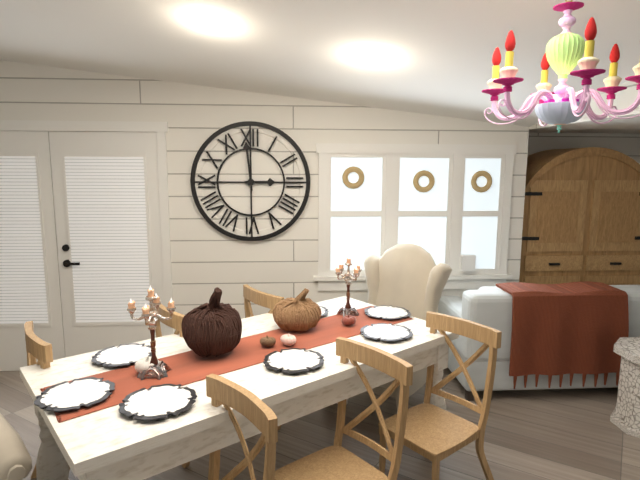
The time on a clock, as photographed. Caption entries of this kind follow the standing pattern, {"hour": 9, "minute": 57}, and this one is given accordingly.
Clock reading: {"hour": 2, "minute": 59}
